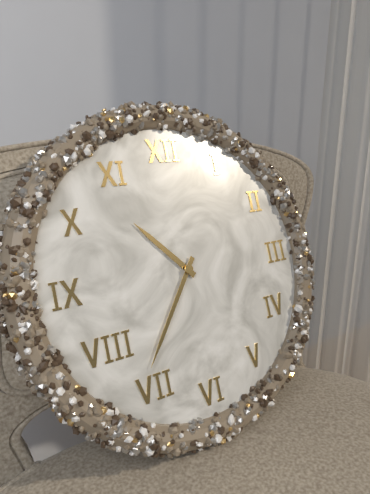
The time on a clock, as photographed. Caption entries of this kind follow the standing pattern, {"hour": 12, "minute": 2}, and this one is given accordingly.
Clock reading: {"hour": 10, "minute": 36}
